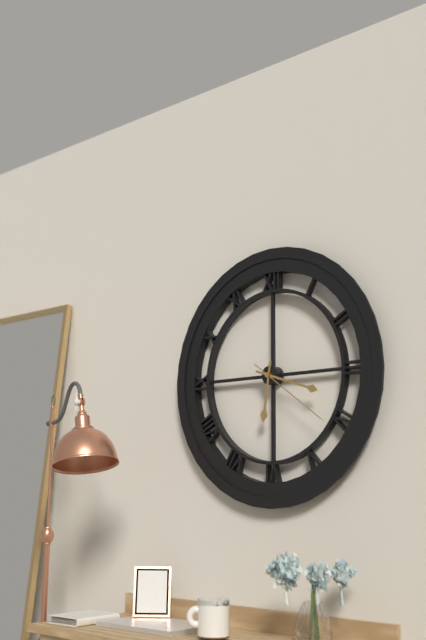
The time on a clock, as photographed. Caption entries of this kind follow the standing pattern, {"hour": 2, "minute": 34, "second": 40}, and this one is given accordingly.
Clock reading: {"hour": 6, "minute": 18, "second": 21}
